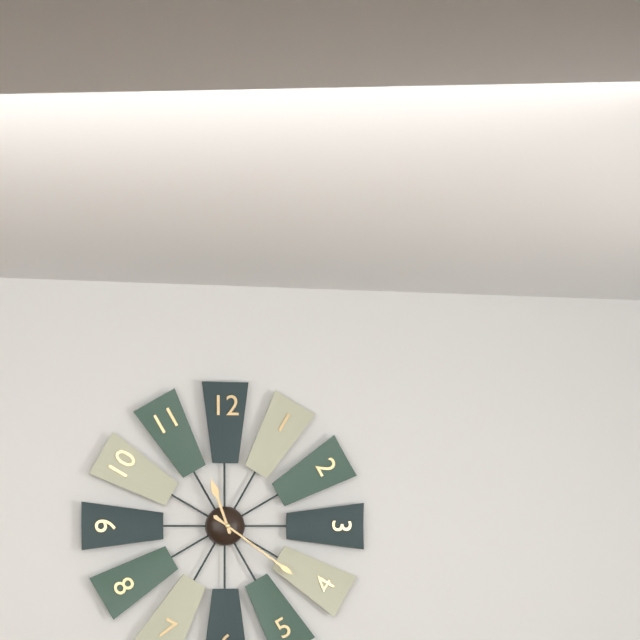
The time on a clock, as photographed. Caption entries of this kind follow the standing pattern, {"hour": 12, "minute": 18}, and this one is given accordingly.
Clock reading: {"hour": 11, "minute": 21}
